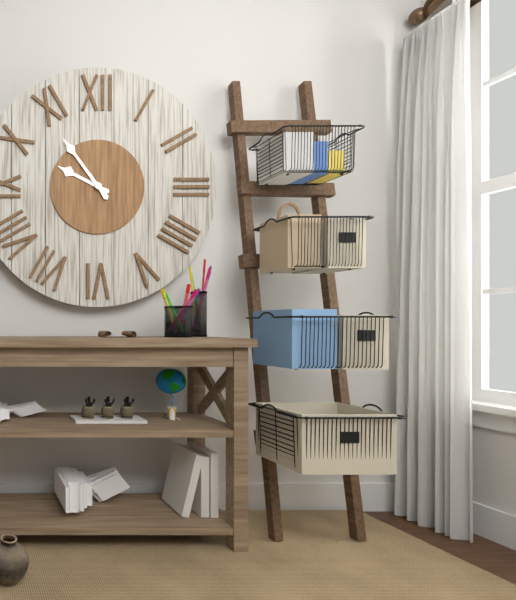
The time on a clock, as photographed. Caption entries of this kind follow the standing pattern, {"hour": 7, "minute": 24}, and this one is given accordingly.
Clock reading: {"hour": 9, "minute": 54}
